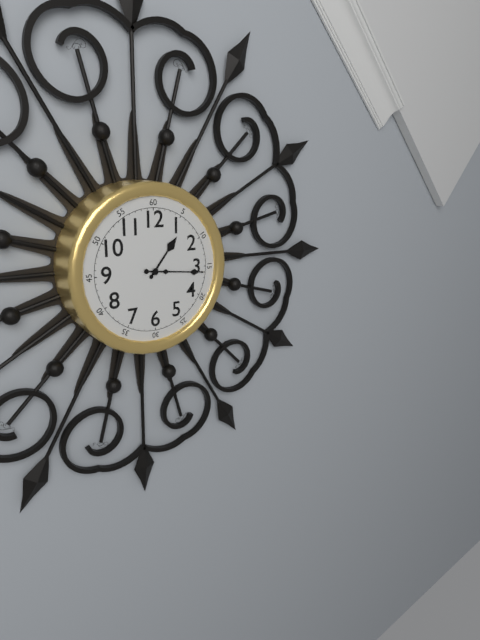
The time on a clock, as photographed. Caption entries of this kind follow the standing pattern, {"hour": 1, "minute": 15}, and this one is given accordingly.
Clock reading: {"hour": 1, "minute": 16}
